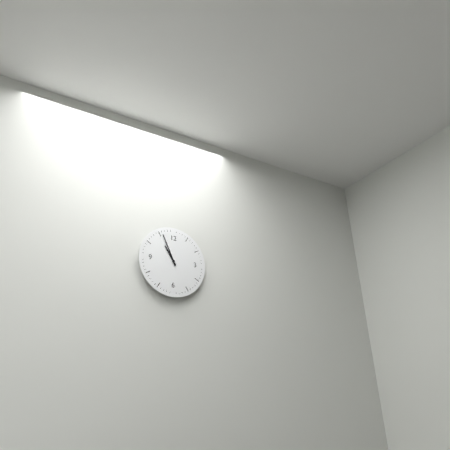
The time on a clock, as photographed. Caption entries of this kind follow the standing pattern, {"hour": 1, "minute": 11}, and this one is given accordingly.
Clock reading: {"hour": 10, "minute": 56}
